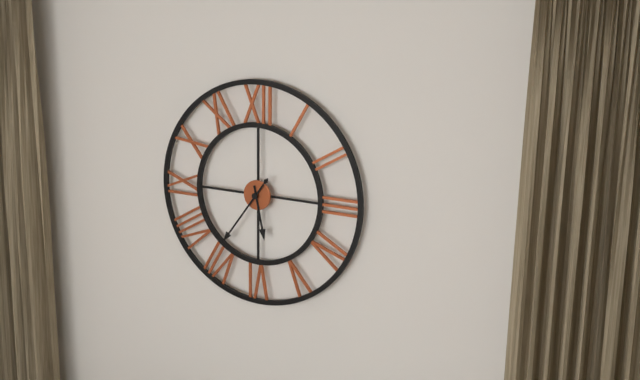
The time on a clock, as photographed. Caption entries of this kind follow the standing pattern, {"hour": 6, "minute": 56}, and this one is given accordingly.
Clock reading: {"hour": 5, "minute": 36}
